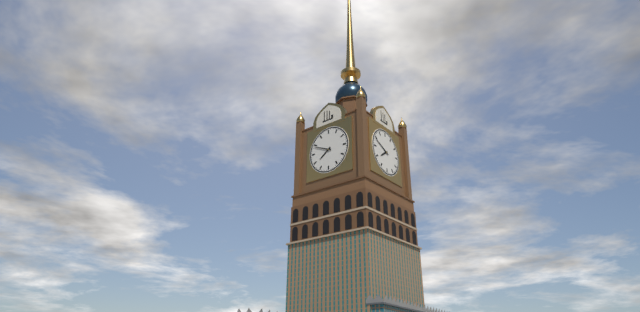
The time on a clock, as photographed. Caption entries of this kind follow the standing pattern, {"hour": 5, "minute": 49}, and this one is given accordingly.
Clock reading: {"hour": 7, "minute": 49}
